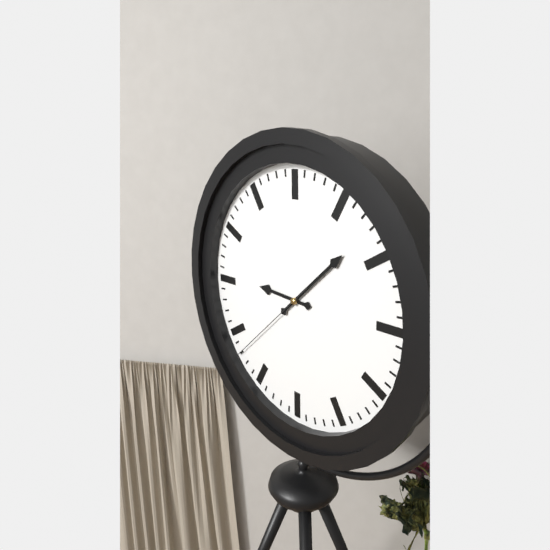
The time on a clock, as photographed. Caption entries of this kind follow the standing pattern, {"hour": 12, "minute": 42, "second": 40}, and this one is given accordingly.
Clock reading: {"hour": 9, "minute": 8, "second": 38}
